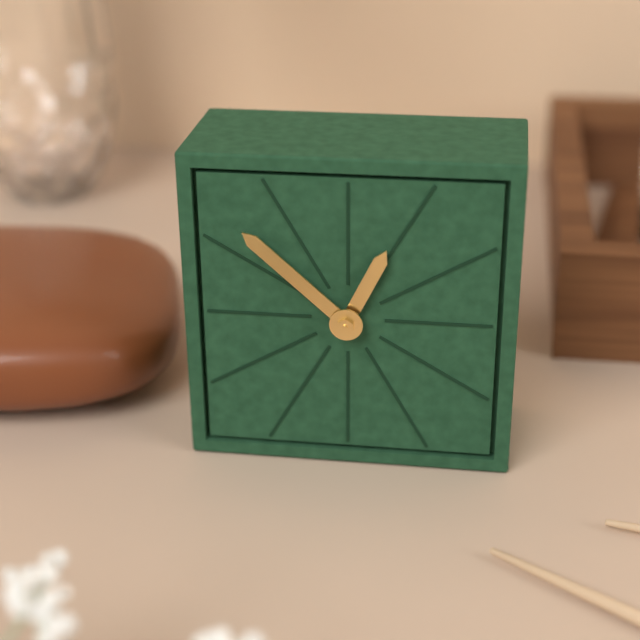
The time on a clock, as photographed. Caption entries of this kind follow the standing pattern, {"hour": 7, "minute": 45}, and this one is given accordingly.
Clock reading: {"hour": 12, "minute": 52}
